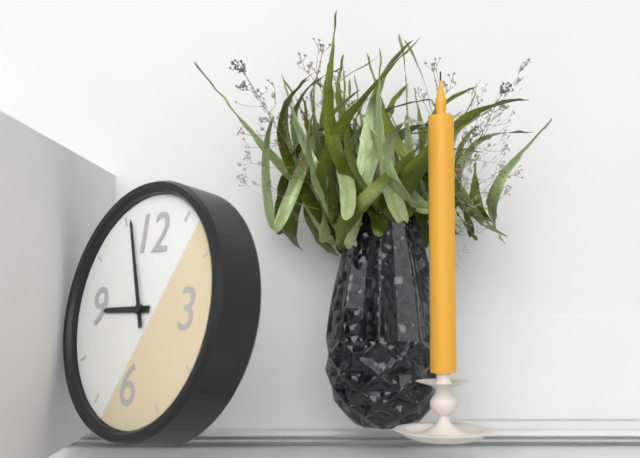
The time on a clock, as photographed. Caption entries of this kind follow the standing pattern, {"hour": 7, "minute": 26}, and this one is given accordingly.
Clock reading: {"hour": 8, "minute": 56}
